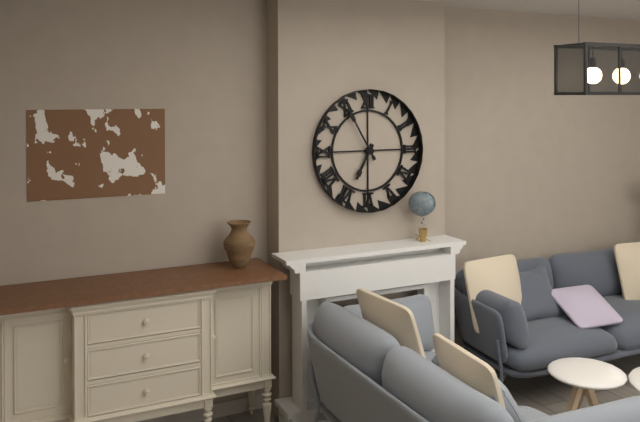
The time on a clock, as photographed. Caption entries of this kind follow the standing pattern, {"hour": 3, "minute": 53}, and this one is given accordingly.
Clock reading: {"hour": 6, "minute": 55}
